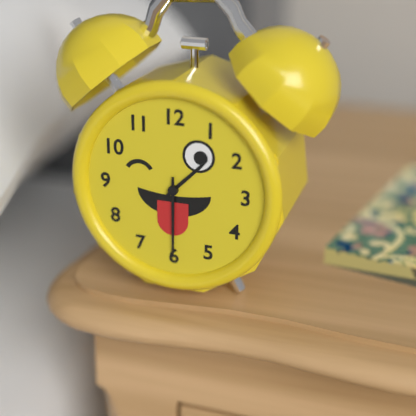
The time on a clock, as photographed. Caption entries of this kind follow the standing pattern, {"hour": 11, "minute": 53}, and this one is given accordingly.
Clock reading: {"hour": 1, "minute": 30}
